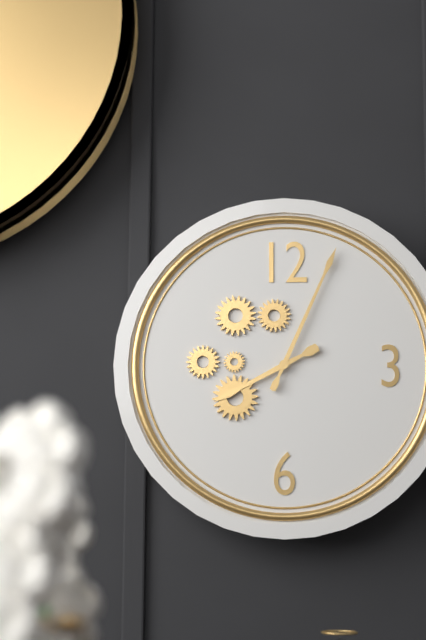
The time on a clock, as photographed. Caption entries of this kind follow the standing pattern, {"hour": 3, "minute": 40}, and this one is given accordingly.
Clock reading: {"hour": 8, "minute": 4}
